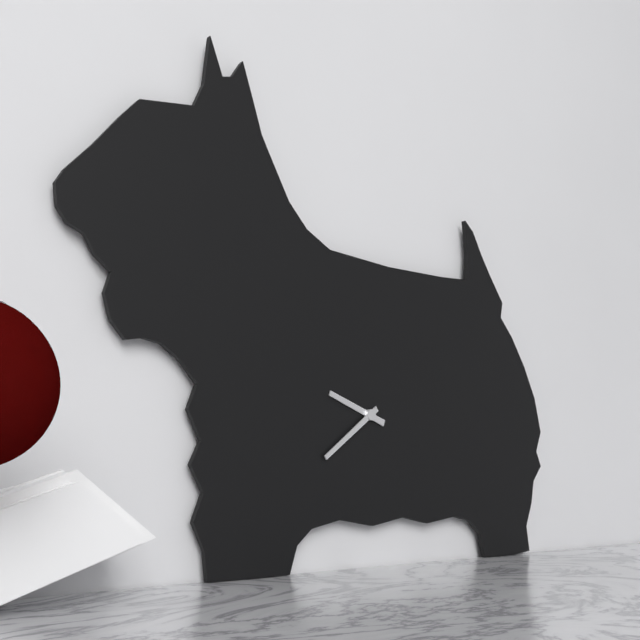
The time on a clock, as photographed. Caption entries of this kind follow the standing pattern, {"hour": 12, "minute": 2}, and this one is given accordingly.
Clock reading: {"hour": 9, "minute": 39}
